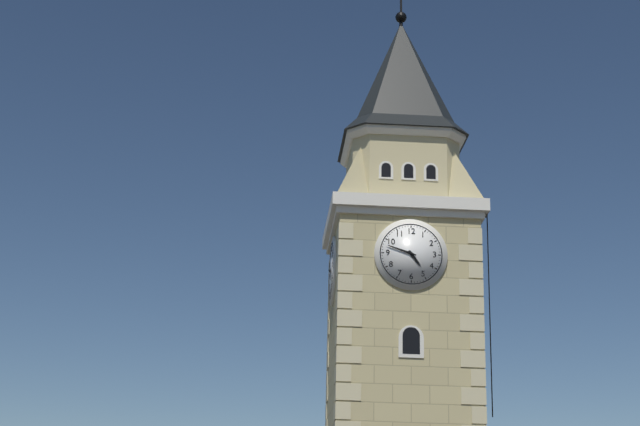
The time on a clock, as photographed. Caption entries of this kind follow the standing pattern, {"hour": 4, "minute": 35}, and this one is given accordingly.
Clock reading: {"hour": 4, "minute": 48}
